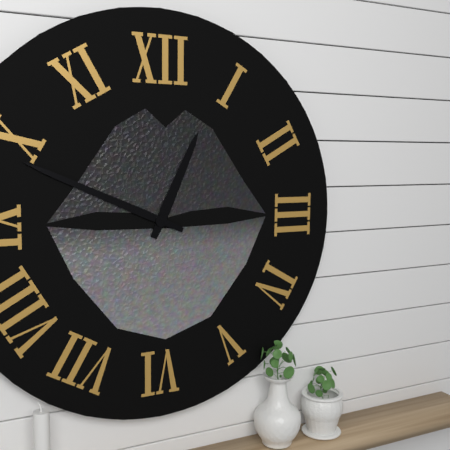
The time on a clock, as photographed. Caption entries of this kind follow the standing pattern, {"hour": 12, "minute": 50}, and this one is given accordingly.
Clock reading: {"hour": 12, "minute": 49}
